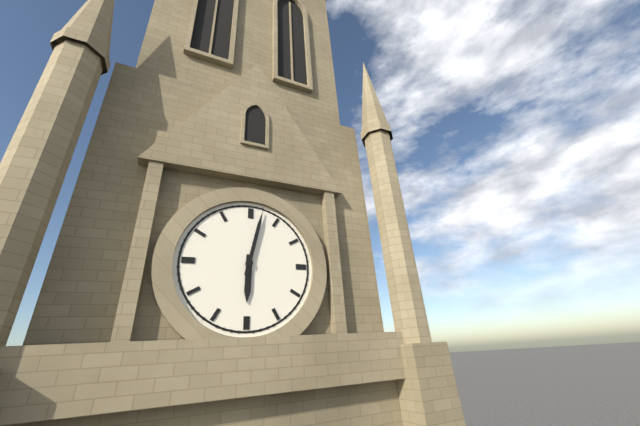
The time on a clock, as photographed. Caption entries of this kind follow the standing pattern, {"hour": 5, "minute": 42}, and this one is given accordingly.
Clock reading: {"hour": 6, "minute": 2}
